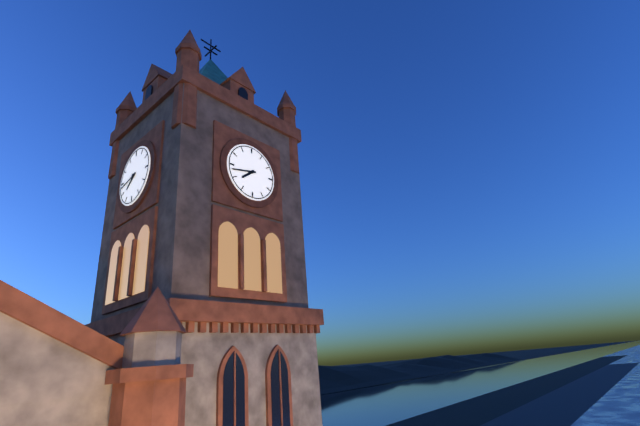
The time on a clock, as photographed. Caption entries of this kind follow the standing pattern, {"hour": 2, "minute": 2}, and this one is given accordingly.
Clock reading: {"hour": 7, "minute": 43}
